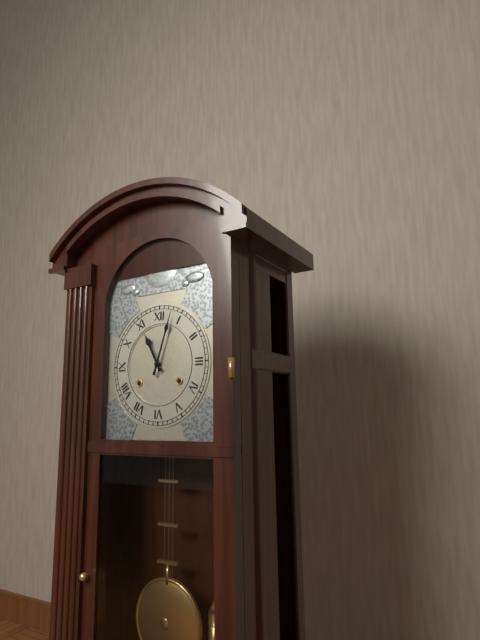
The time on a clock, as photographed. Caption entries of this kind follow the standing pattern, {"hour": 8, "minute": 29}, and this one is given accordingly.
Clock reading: {"hour": 11, "minute": 3}
